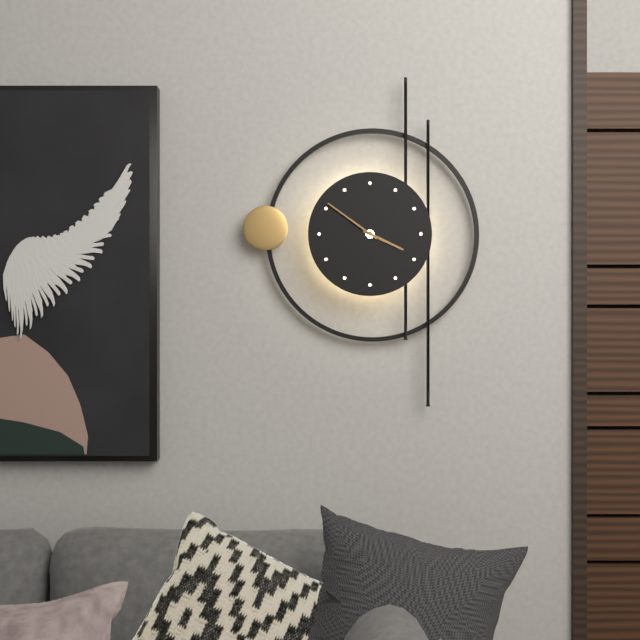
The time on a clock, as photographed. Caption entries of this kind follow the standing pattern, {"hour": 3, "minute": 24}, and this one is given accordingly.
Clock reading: {"hour": 3, "minute": 51}
